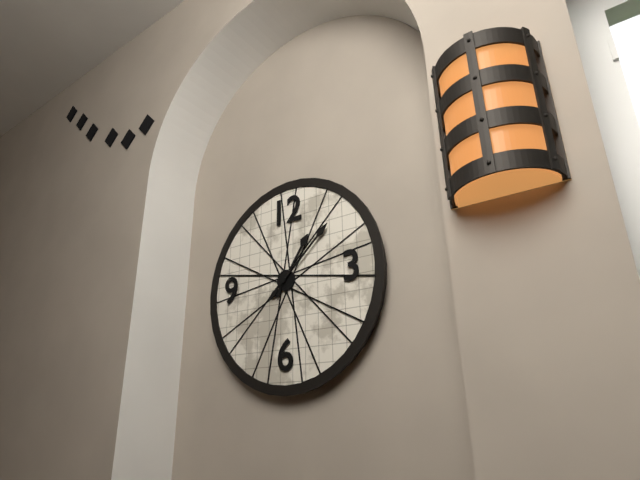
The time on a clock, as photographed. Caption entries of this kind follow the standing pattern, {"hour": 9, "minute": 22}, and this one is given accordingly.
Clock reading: {"hour": 1, "minute": 8}
